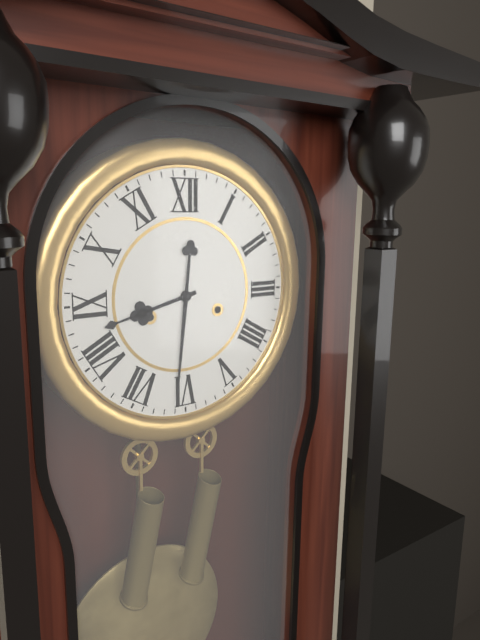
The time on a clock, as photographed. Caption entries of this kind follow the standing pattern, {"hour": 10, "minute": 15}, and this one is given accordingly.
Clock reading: {"hour": 8, "minute": 31}
